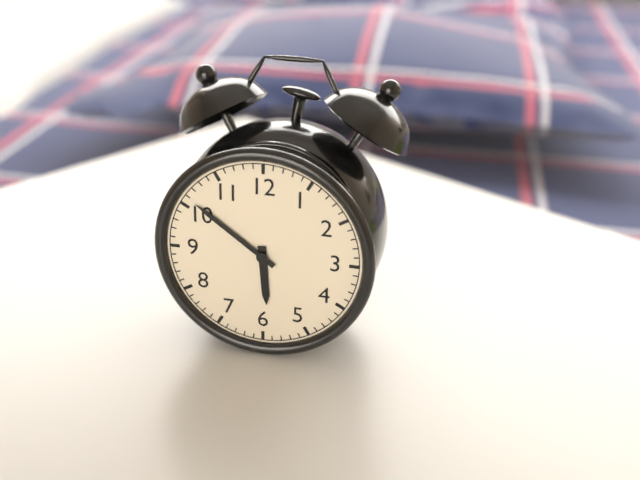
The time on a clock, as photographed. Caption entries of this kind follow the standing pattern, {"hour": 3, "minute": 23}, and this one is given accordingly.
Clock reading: {"hour": 5, "minute": 51}
